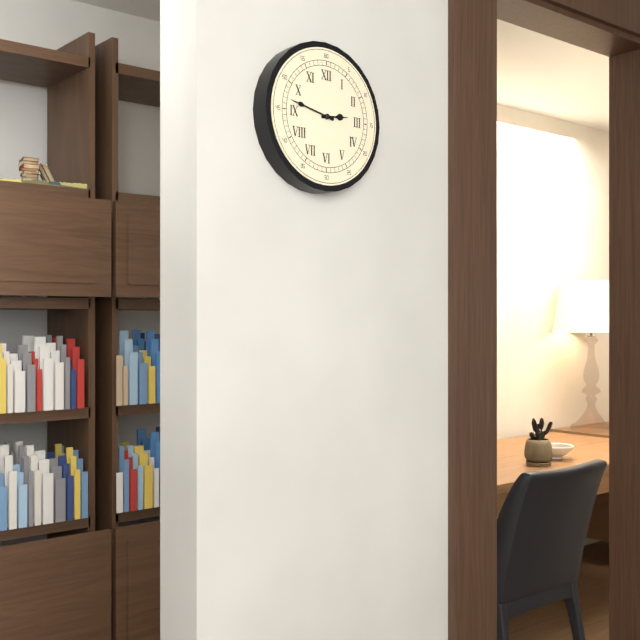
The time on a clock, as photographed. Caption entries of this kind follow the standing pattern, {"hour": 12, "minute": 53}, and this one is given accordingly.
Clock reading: {"hour": 2, "minute": 47}
